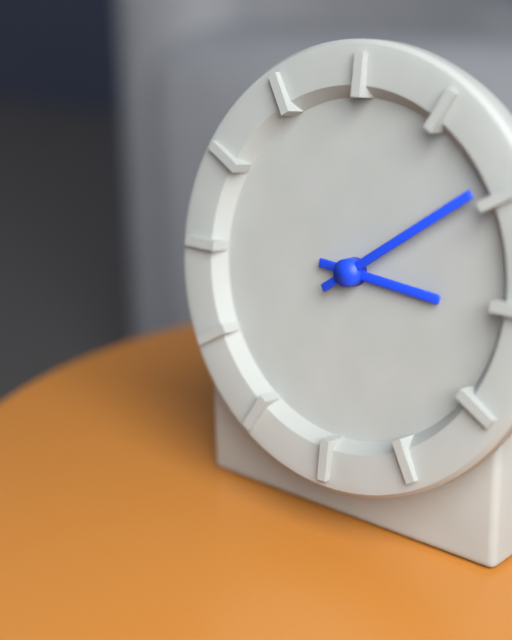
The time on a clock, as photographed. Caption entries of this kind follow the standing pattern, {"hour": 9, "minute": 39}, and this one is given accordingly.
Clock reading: {"hour": 3, "minute": 9}
